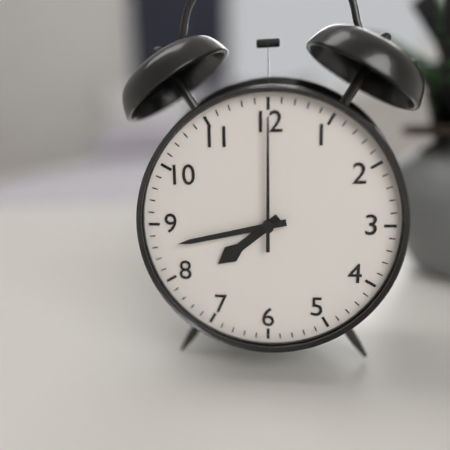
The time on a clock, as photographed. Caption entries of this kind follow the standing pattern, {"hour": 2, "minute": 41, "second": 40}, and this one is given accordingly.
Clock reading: {"hour": 7, "minute": 43, "second": 0}
